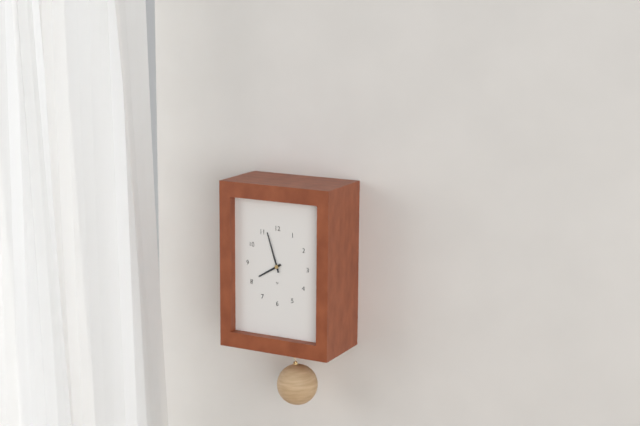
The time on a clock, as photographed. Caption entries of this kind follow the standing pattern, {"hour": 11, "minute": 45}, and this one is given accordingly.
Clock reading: {"hour": 7, "minute": 57}
